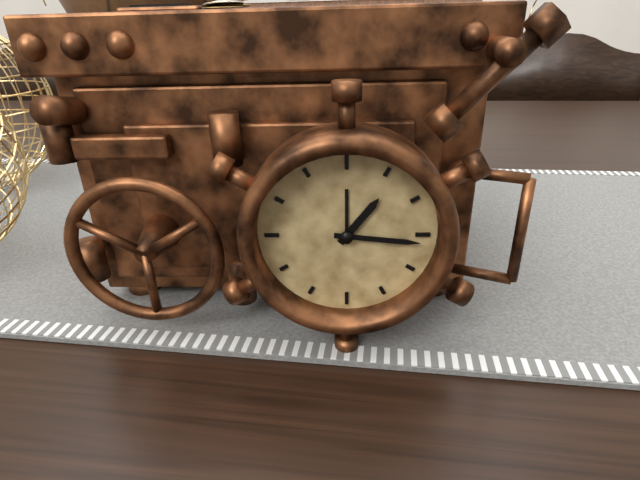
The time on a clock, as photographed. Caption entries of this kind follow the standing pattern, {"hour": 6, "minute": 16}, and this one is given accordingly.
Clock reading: {"hour": 1, "minute": 16}
